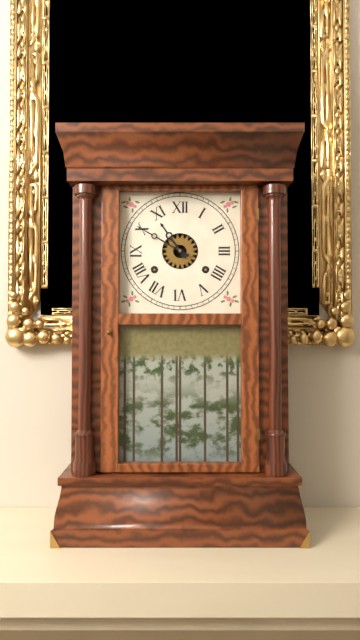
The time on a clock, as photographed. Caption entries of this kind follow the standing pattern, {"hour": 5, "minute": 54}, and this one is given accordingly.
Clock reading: {"hour": 10, "minute": 50}
